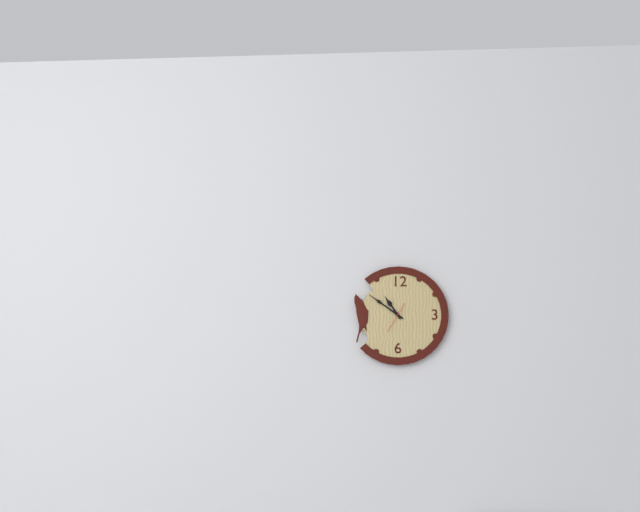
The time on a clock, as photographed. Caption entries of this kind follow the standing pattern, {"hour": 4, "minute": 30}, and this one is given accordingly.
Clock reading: {"hour": 10, "minute": 51}
